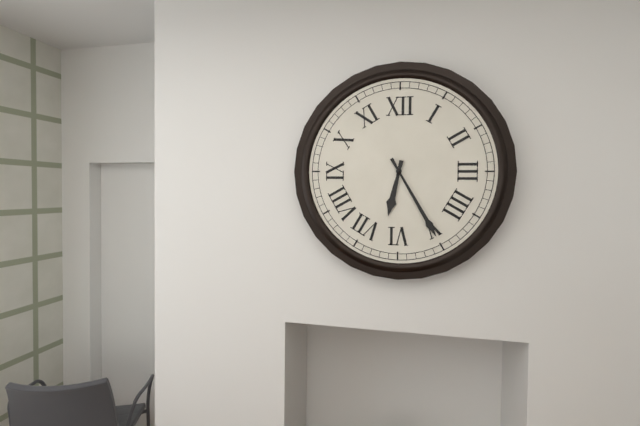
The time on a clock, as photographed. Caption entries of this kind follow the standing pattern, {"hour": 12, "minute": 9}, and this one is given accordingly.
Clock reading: {"hour": 6, "minute": 25}
